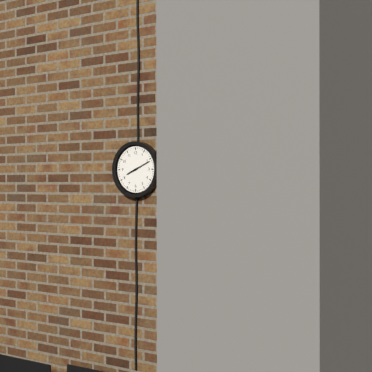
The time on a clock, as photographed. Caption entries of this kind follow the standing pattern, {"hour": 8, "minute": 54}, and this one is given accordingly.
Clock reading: {"hour": 8, "minute": 11}
